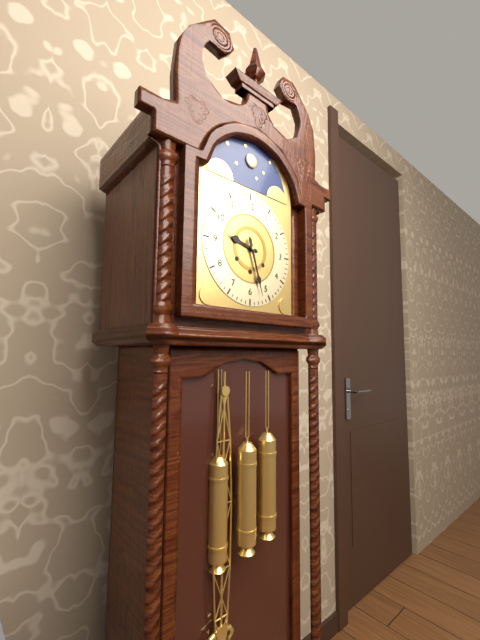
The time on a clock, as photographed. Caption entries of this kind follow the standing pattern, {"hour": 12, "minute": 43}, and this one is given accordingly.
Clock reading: {"hour": 9, "minute": 27}
